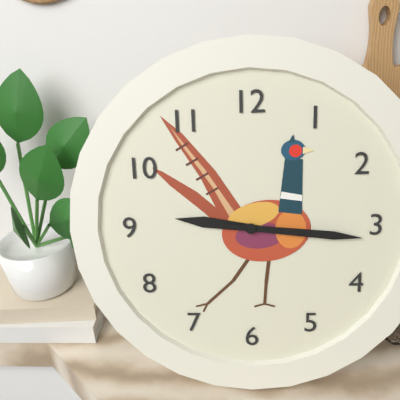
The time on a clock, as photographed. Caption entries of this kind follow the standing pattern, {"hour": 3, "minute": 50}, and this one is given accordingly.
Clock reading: {"hour": 9, "minute": 16}
